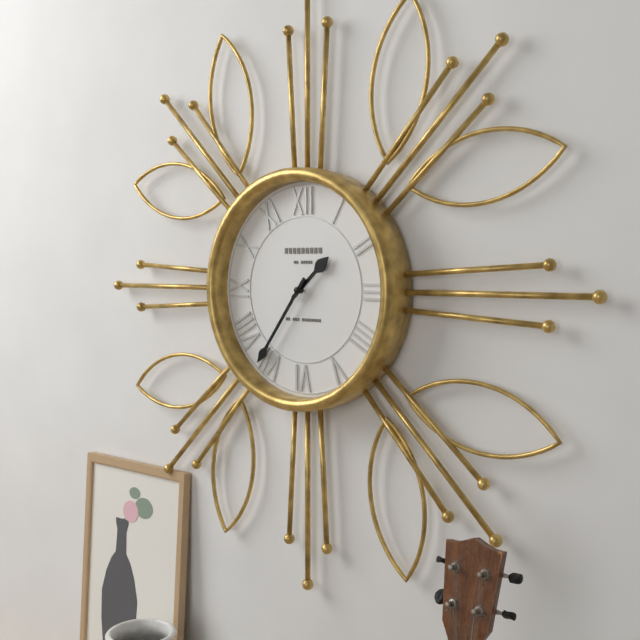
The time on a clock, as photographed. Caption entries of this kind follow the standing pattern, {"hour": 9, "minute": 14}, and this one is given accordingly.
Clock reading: {"hour": 1, "minute": 36}
